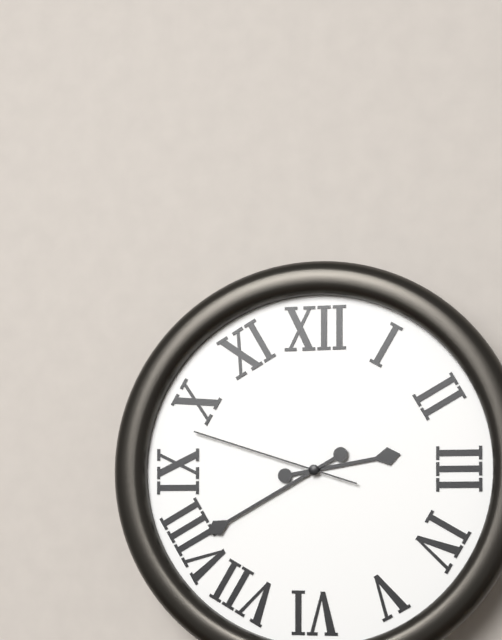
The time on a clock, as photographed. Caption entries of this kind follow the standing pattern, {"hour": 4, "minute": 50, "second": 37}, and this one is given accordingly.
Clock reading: {"hour": 2, "minute": 40, "second": 48}
